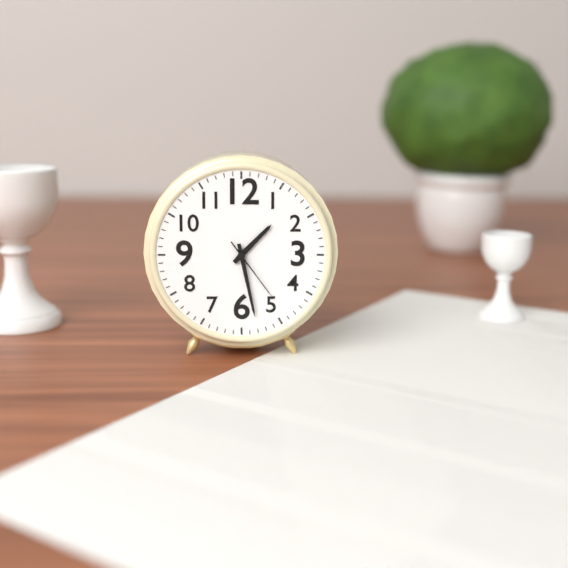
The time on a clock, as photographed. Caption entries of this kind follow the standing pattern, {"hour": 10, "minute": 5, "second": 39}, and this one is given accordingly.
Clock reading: {"hour": 1, "minute": 28, "second": 24}
